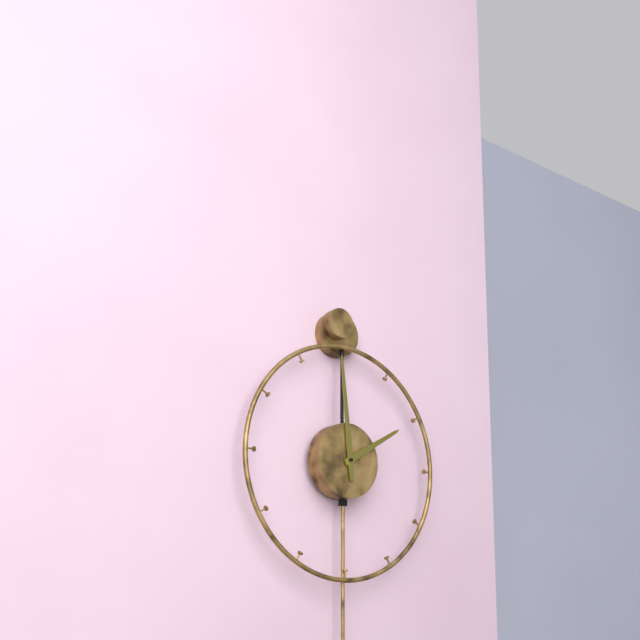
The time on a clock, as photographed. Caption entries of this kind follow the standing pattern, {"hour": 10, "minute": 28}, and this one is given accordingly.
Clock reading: {"hour": 1, "minute": 59}
